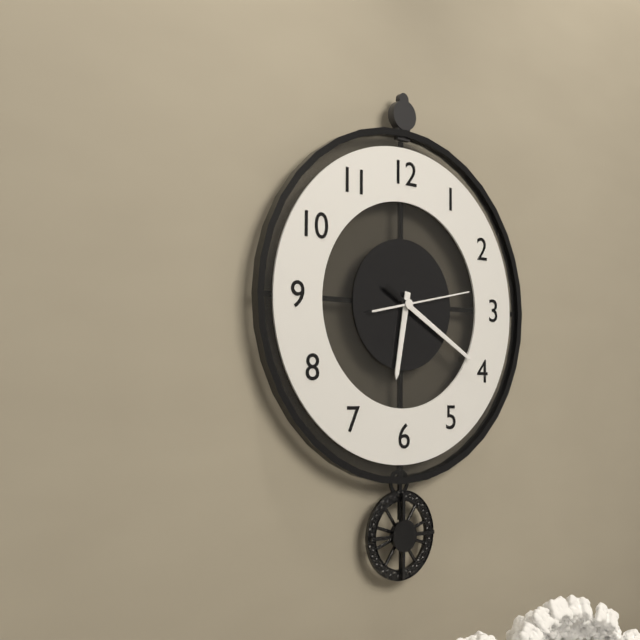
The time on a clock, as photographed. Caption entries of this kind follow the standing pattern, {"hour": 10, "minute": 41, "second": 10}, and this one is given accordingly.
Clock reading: {"hour": 6, "minute": 20, "second": 13}
